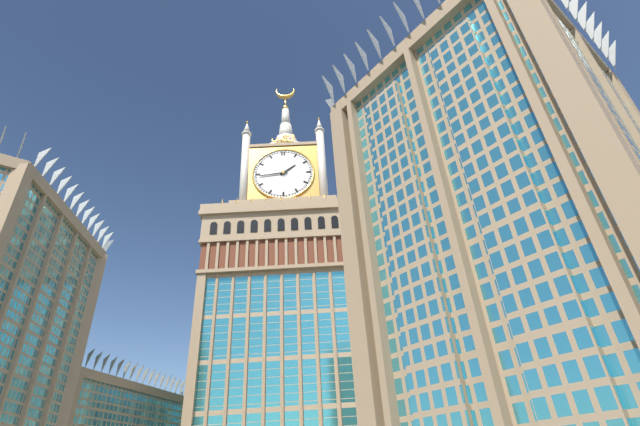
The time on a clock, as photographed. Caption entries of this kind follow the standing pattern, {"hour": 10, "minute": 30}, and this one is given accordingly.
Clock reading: {"hour": 1, "minute": 44}
